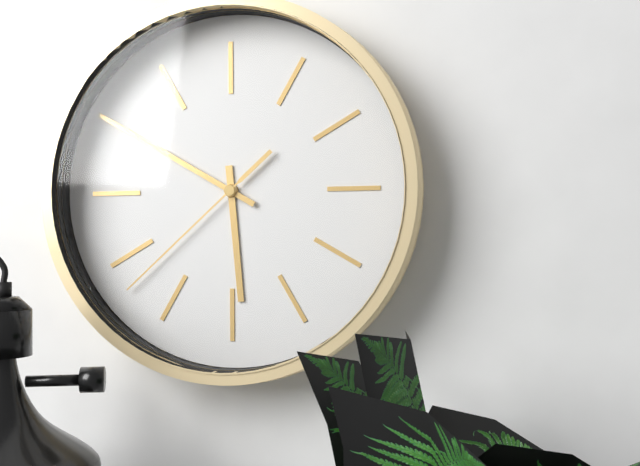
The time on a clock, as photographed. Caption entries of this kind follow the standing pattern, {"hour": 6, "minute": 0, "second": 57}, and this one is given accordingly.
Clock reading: {"hour": 5, "minute": 50, "second": 38}
